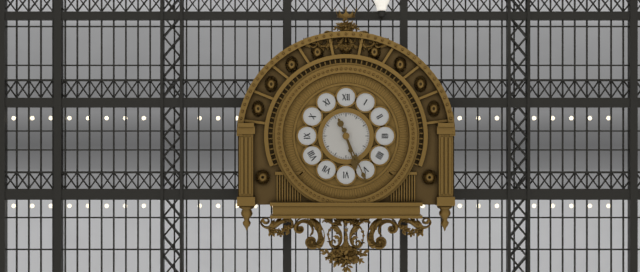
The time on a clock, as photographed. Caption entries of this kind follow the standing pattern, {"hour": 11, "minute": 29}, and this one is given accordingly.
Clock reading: {"hour": 5, "minute": 26}
